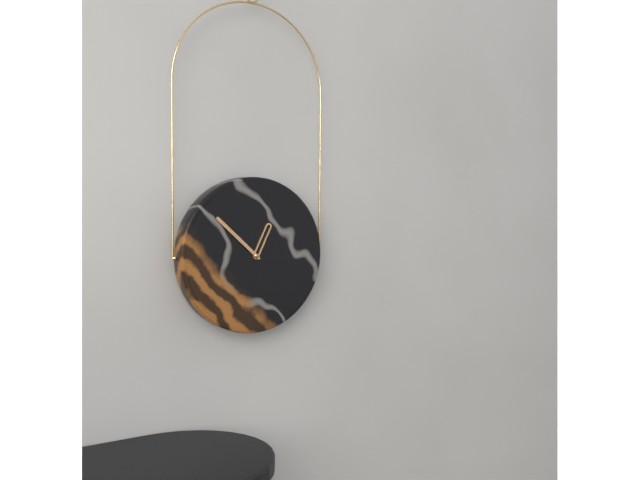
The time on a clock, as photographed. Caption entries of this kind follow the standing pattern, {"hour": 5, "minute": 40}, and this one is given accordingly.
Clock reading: {"hour": 12, "minute": 52}
